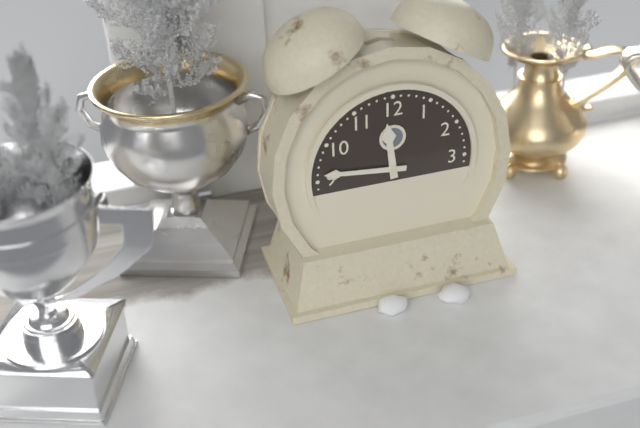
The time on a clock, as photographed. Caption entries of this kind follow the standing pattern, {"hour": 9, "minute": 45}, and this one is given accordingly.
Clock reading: {"hour": 11, "minute": 46}
